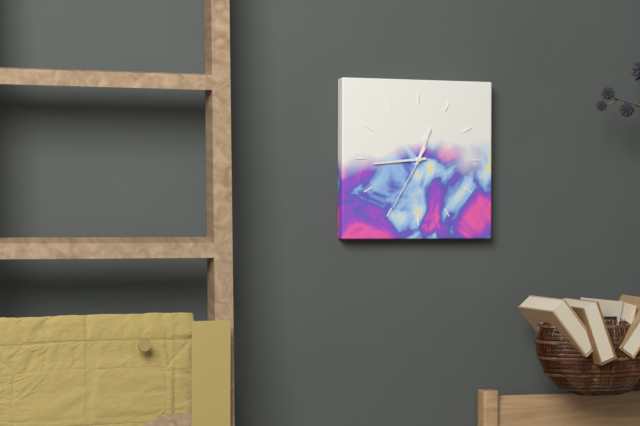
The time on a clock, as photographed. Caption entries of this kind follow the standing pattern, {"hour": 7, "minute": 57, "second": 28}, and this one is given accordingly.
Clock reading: {"hour": 12, "minute": 44, "second": 35}
